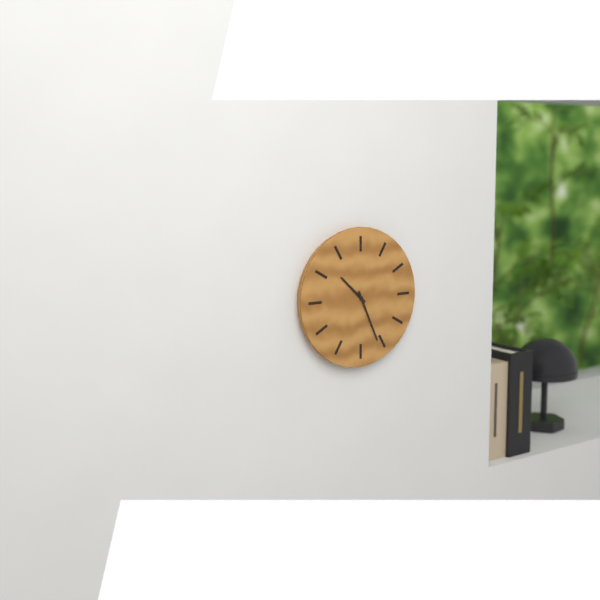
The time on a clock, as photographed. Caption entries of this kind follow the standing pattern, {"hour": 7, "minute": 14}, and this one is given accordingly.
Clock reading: {"hour": 10, "minute": 26}
